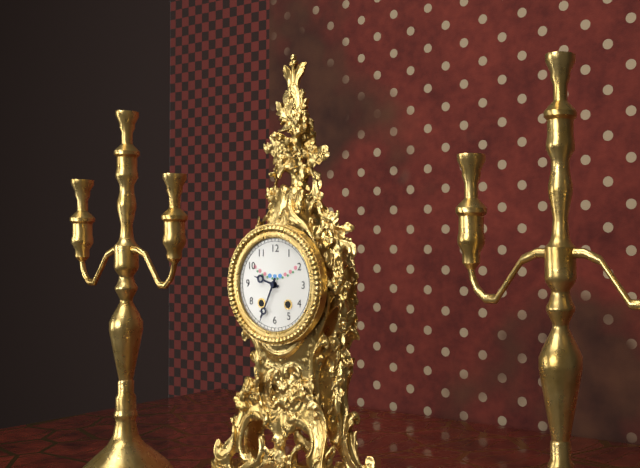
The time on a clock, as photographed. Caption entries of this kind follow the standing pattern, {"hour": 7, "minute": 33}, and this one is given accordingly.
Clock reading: {"hour": 9, "minute": 34}
